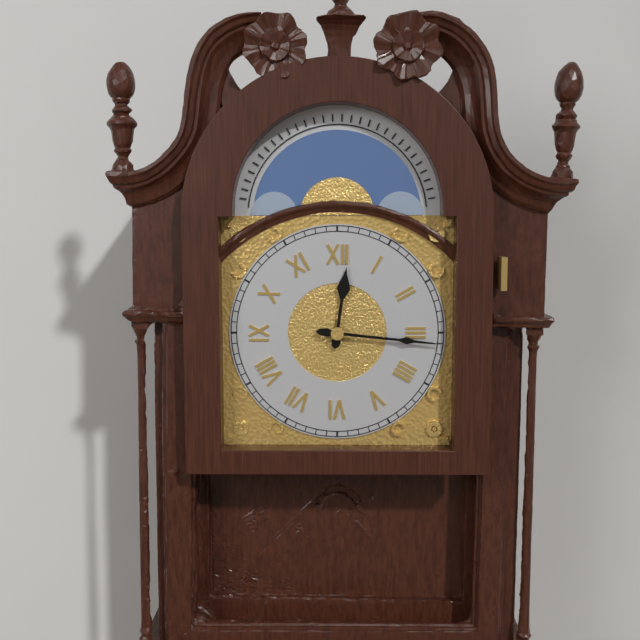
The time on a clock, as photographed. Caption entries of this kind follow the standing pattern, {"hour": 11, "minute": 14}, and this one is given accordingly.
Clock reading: {"hour": 12, "minute": 16}
